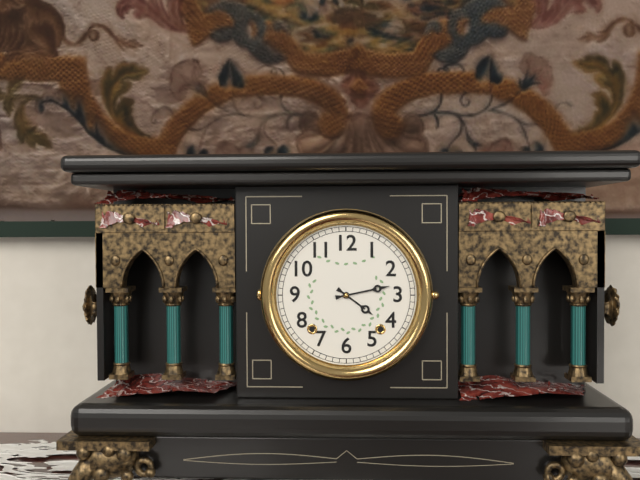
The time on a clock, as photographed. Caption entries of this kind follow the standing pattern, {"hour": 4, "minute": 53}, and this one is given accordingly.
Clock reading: {"hour": 4, "minute": 13}
